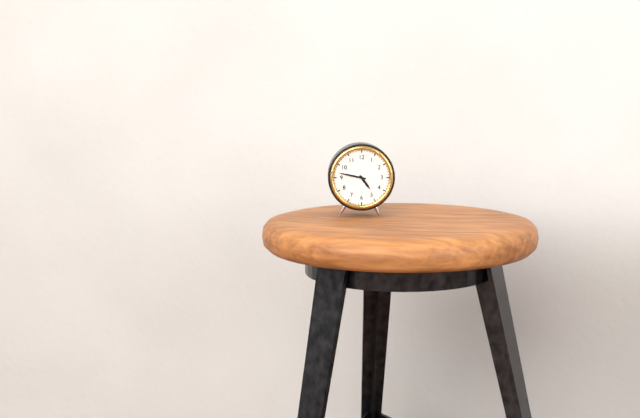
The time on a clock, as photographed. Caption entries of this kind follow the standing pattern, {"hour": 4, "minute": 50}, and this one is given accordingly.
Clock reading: {"hour": 4, "minute": 47}
